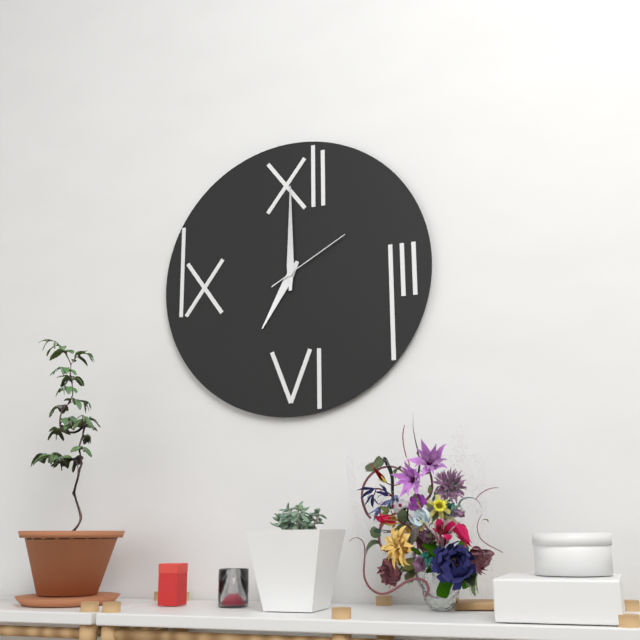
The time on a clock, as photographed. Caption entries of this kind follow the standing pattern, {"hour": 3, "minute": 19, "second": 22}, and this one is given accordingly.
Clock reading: {"hour": 7, "minute": 0, "second": 10}
